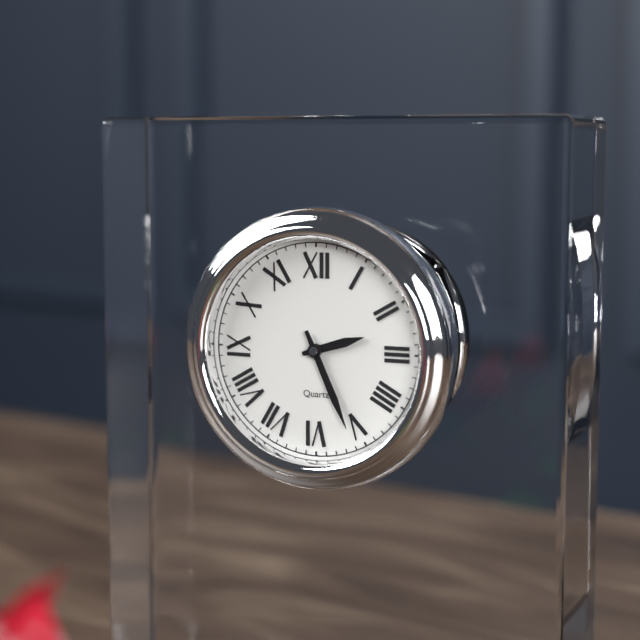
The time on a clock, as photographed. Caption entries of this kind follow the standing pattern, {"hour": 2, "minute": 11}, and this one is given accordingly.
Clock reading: {"hour": 2, "minute": 26}
